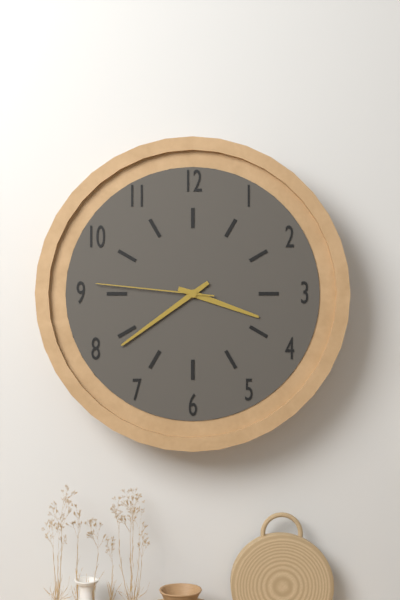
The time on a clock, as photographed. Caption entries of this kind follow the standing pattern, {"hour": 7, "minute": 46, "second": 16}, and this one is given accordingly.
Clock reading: {"hour": 3, "minute": 39, "second": 46}
